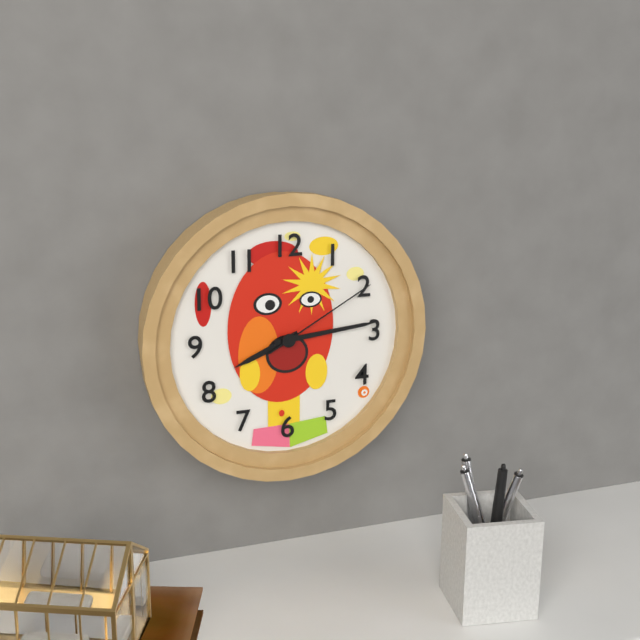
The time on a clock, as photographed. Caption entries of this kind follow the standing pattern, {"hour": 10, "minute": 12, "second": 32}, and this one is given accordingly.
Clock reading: {"hour": 8, "minute": 14, "second": 10}
